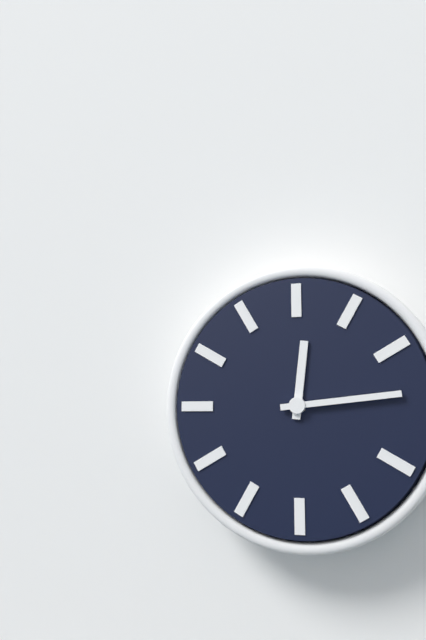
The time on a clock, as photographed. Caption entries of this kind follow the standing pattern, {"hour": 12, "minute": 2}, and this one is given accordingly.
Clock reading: {"hour": 12, "minute": 14}
